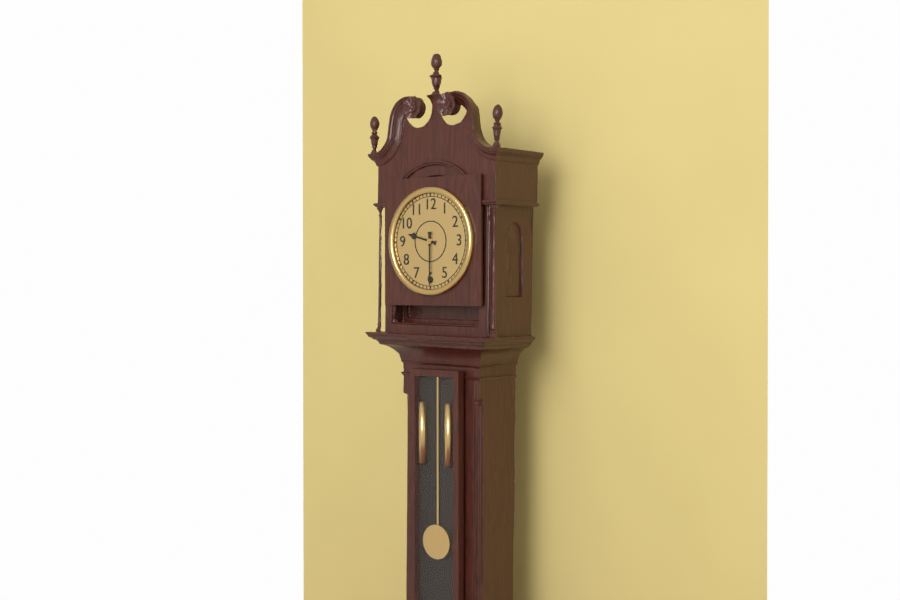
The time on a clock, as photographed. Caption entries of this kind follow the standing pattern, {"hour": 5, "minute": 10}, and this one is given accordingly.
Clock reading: {"hour": 9, "minute": 30}
